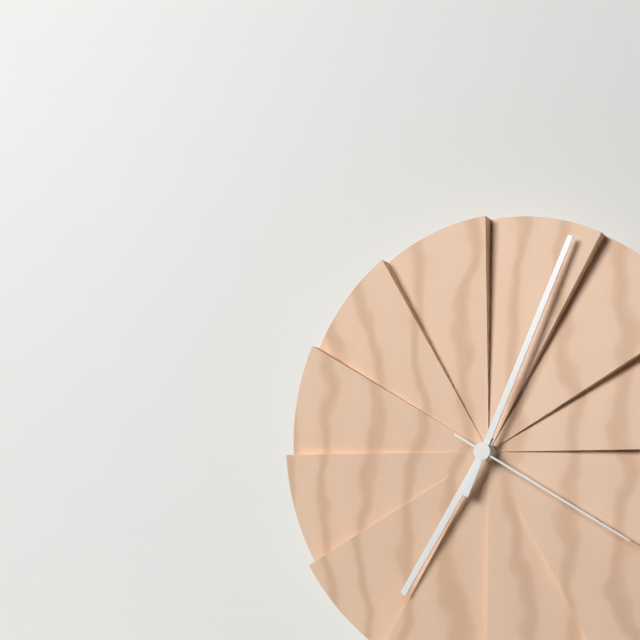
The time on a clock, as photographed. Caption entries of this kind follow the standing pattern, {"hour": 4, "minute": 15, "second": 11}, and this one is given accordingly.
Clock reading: {"hour": 7, "minute": 4, "second": 20}
